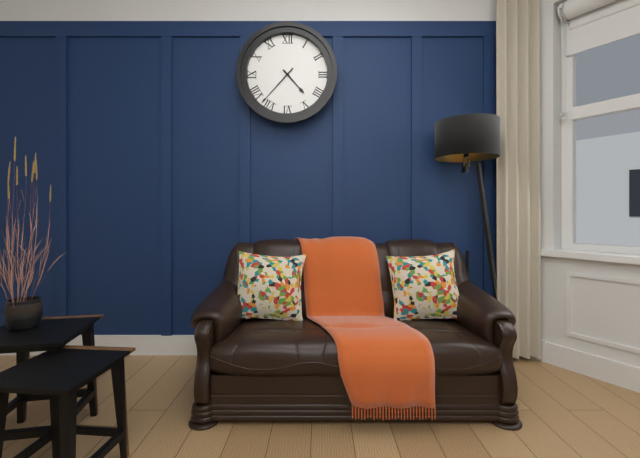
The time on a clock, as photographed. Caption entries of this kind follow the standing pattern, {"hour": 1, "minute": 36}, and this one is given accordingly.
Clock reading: {"hour": 4, "minute": 37}
